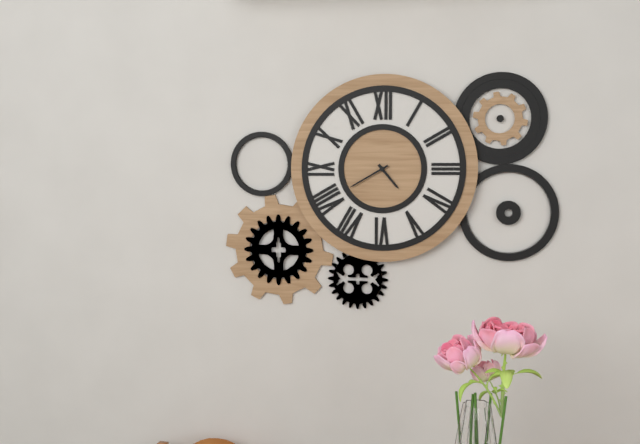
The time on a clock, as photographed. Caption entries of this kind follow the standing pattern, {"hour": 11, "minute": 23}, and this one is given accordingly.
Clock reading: {"hour": 4, "minute": 40}
